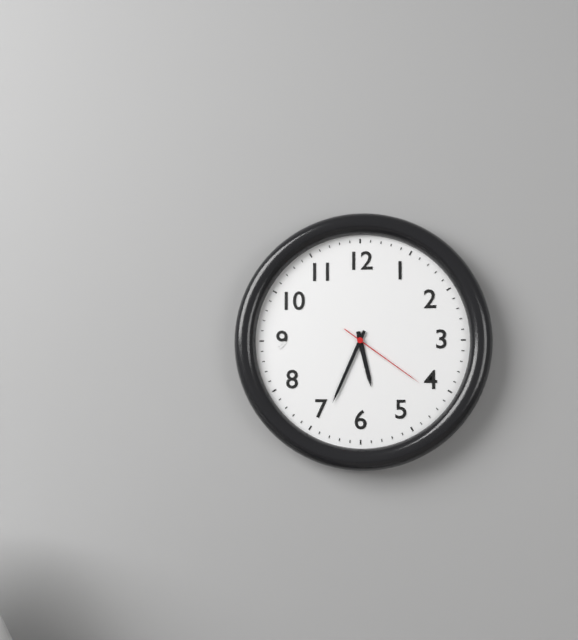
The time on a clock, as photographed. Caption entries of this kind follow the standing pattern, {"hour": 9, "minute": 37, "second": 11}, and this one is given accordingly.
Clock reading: {"hour": 5, "minute": 34, "second": 21}
